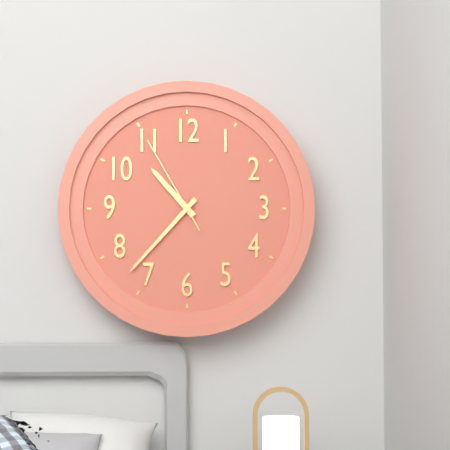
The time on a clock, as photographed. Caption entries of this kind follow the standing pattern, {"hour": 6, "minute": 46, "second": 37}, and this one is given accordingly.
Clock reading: {"hour": 10, "minute": 37, "second": 55}
